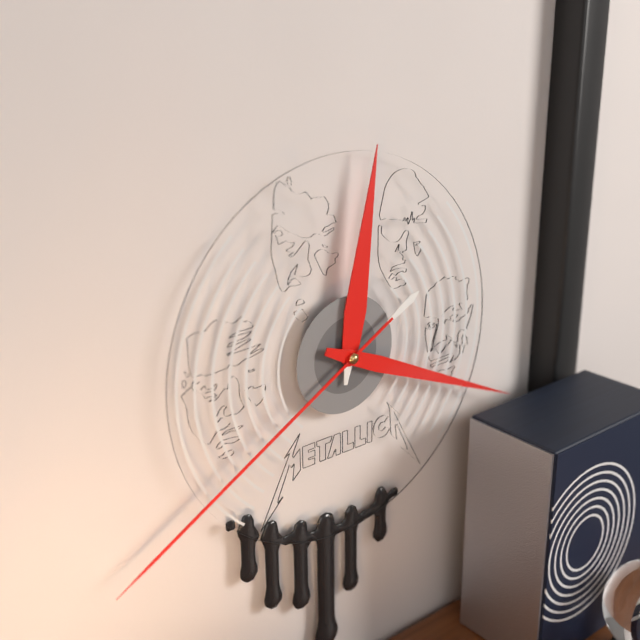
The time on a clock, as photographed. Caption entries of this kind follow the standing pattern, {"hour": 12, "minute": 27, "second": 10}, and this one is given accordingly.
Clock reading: {"hour": 12, "minute": 19, "second": 40}
